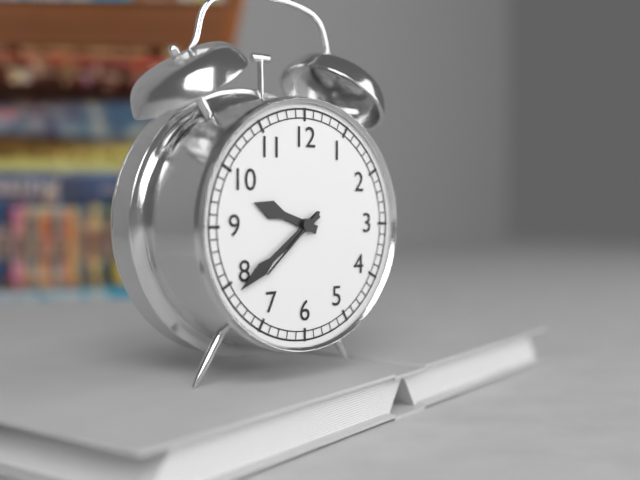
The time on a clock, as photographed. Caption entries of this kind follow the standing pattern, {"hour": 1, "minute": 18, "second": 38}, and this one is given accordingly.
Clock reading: {"hour": 9, "minute": 39, "second": 38}
